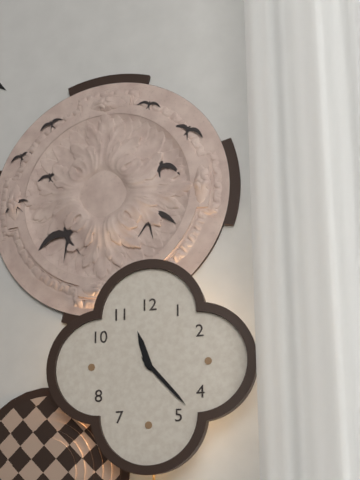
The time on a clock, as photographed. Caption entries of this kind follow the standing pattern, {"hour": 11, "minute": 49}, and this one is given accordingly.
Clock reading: {"hour": 11, "minute": 23}
